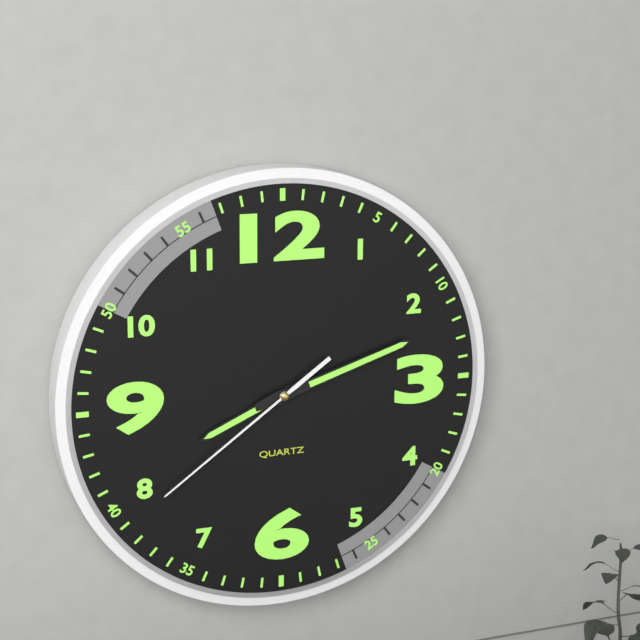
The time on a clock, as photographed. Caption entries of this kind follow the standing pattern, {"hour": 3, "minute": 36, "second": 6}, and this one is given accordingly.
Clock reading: {"hour": 8, "minute": 12, "second": 39}
